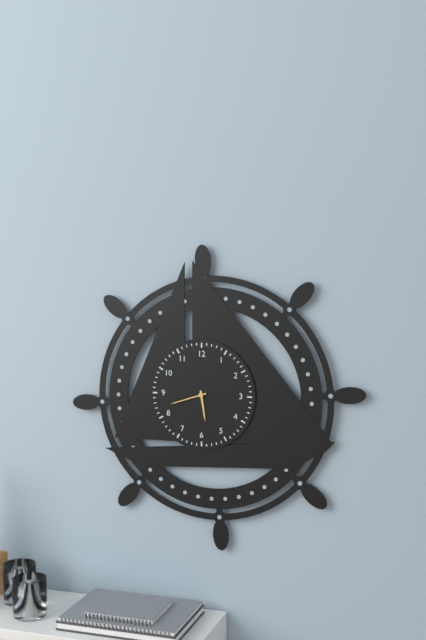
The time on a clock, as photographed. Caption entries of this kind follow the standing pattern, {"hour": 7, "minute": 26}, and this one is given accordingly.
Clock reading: {"hour": 5, "minute": 42}
